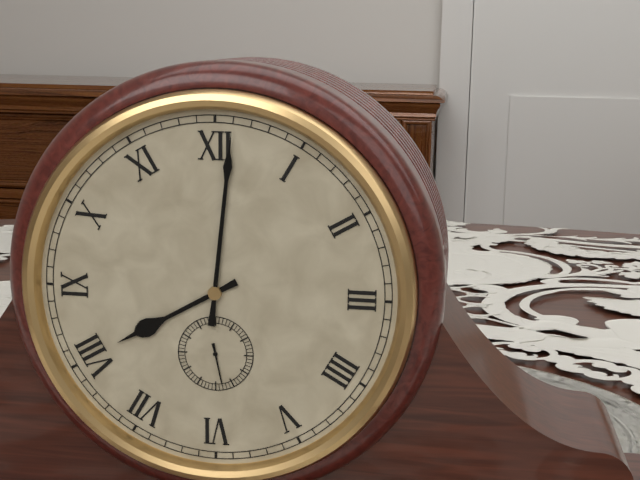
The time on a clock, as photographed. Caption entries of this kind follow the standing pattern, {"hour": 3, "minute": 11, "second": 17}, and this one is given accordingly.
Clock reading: {"hour": 8, "minute": 1, "second": 28}
